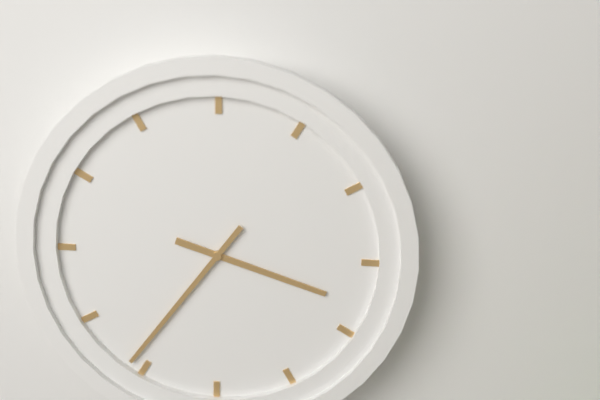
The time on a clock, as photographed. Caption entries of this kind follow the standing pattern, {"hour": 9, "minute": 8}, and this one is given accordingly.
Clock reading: {"hour": 3, "minute": 36}
